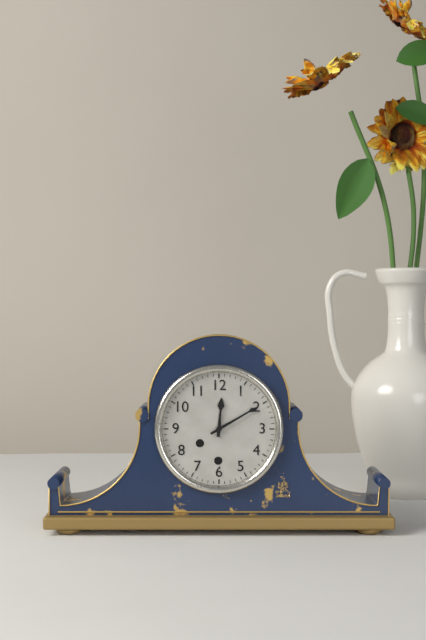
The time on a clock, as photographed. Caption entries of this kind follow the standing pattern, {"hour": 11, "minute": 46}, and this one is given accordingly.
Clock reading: {"hour": 12, "minute": 10}
